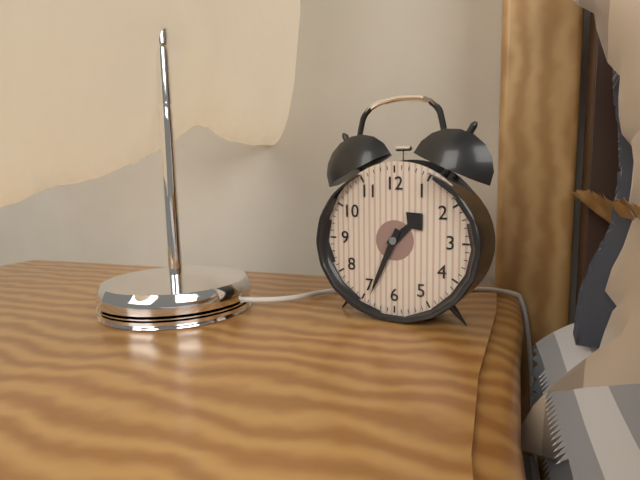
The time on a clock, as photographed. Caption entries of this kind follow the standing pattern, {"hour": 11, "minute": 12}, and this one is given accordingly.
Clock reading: {"hour": 1, "minute": 34}
